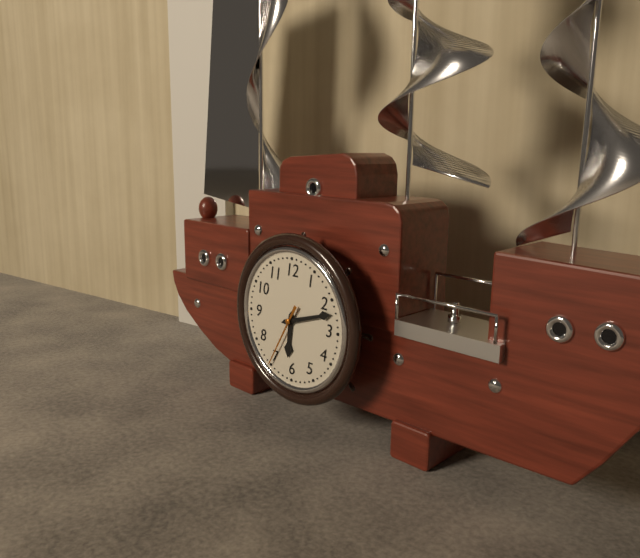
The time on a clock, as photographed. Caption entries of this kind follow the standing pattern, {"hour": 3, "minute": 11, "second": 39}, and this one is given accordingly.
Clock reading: {"hour": 6, "minute": 12, "second": 35}
